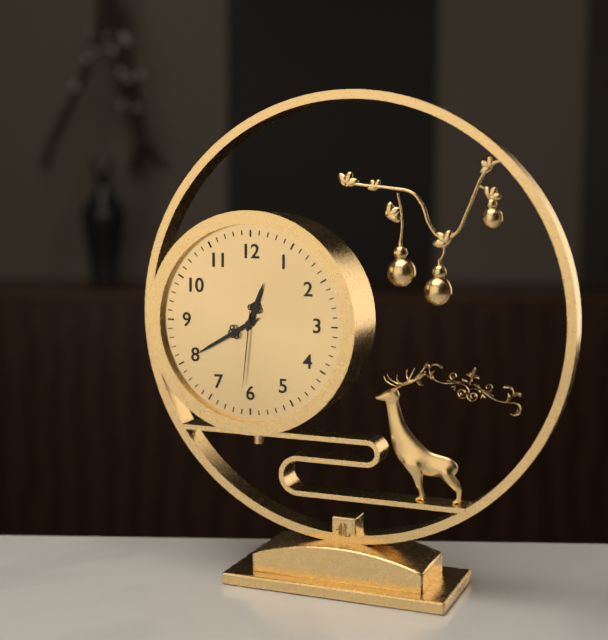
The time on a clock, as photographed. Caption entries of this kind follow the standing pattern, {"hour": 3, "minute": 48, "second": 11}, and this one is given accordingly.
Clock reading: {"hour": 12, "minute": 40, "second": 31}
